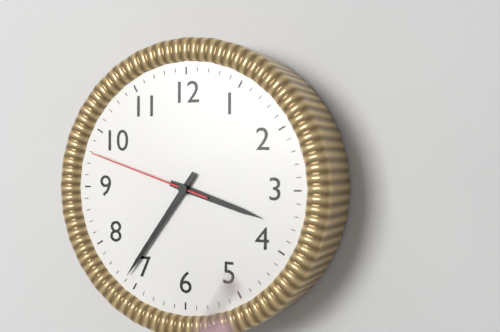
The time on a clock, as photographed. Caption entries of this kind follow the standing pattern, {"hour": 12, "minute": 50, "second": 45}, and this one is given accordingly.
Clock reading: {"hour": 3, "minute": 36, "second": 48}
